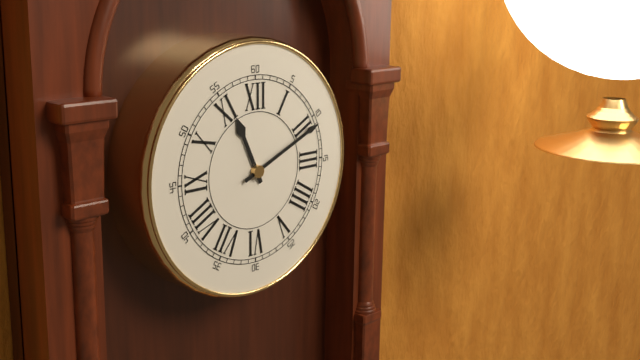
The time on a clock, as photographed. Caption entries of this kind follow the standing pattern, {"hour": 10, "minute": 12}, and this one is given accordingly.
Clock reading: {"hour": 11, "minute": 11}
